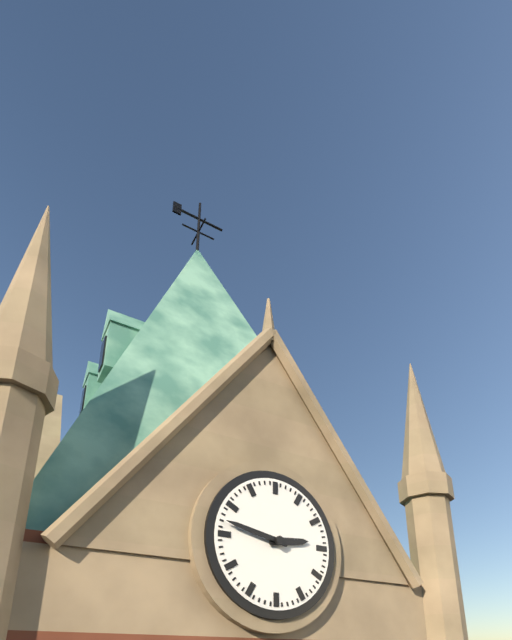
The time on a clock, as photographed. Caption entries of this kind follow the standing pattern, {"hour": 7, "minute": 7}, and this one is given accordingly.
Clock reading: {"hour": 2, "minute": 47}
